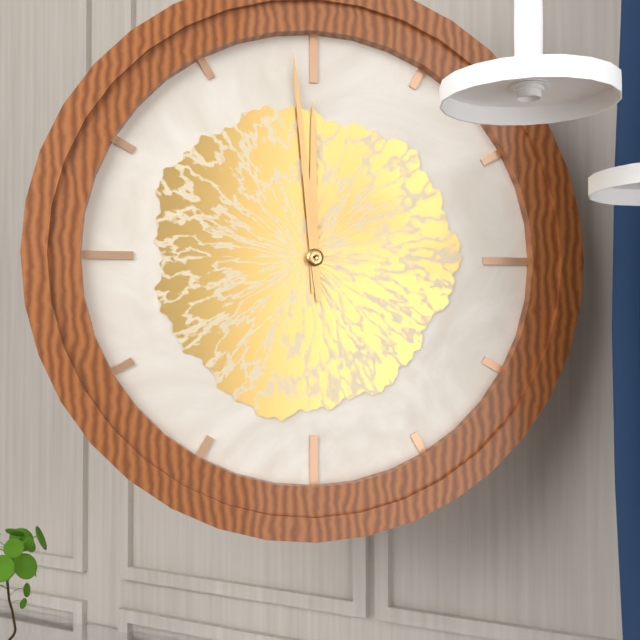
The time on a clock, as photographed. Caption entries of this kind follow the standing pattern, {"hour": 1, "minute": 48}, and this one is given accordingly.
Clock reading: {"hour": 11, "minute": 59}
